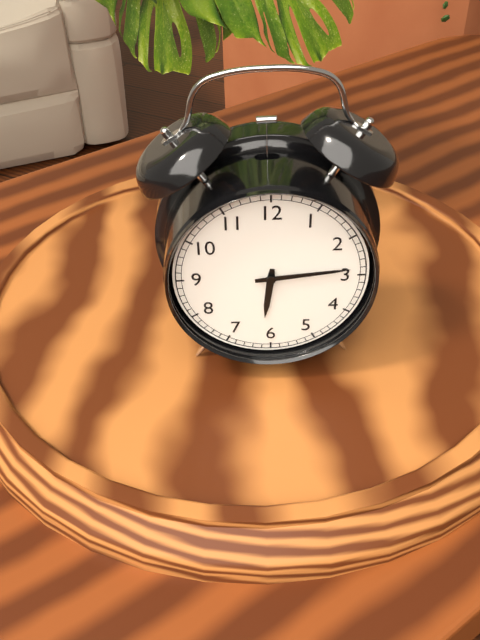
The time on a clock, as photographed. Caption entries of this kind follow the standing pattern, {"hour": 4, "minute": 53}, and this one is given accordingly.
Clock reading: {"hour": 6, "minute": 14}
